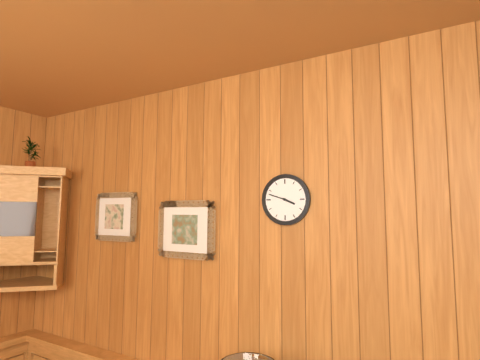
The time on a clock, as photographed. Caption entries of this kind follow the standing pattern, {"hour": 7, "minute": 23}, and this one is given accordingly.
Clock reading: {"hour": 3, "minute": 48}
